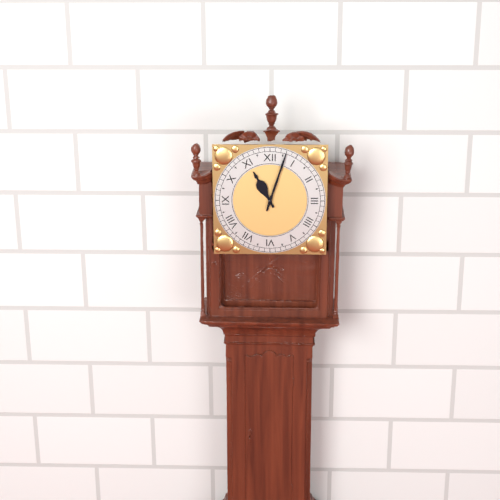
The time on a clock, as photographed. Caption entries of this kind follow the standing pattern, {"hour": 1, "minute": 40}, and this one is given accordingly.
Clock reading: {"hour": 11, "minute": 3}
